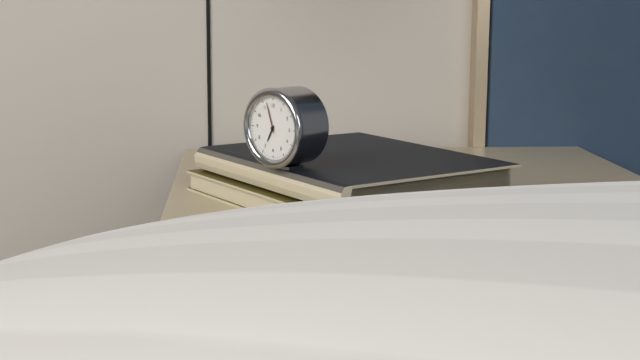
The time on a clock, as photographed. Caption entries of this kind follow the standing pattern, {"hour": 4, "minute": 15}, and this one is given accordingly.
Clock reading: {"hour": 6, "minute": 57}
